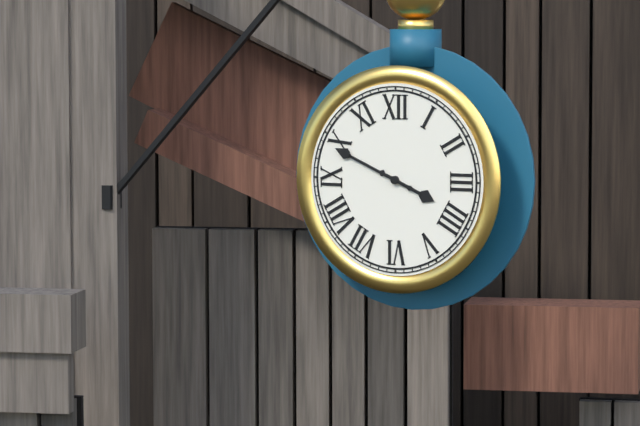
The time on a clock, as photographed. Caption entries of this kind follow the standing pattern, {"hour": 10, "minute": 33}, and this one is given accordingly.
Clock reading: {"hour": 3, "minute": 49}
